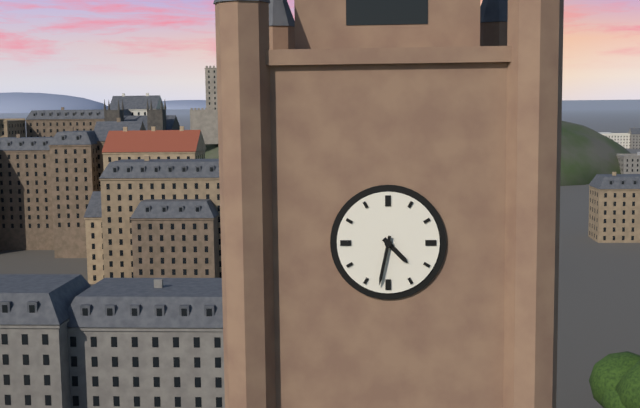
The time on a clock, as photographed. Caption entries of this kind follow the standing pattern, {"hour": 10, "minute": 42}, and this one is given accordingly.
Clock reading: {"hour": 4, "minute": 32}
